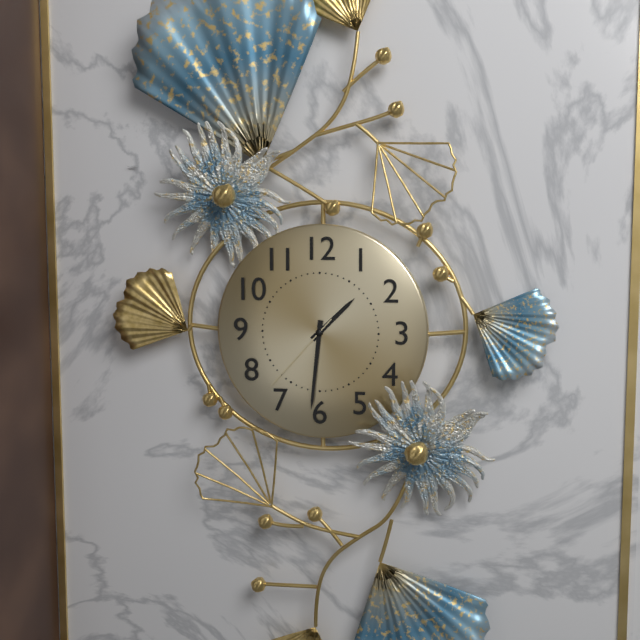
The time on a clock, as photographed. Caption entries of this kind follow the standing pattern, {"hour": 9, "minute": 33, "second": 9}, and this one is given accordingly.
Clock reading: {"hour": 1, "minute": 31, "second": 37}
